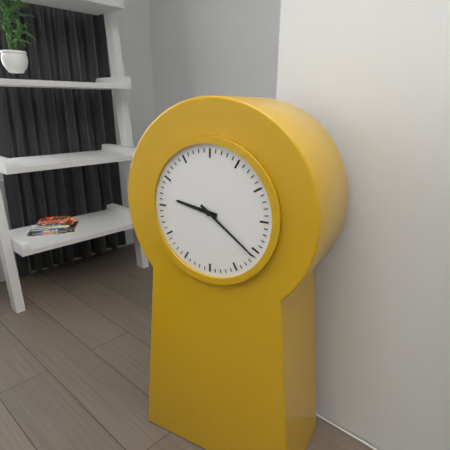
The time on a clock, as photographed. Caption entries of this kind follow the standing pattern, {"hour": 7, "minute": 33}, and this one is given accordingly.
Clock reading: {"hour": 9, "minute": 21}
